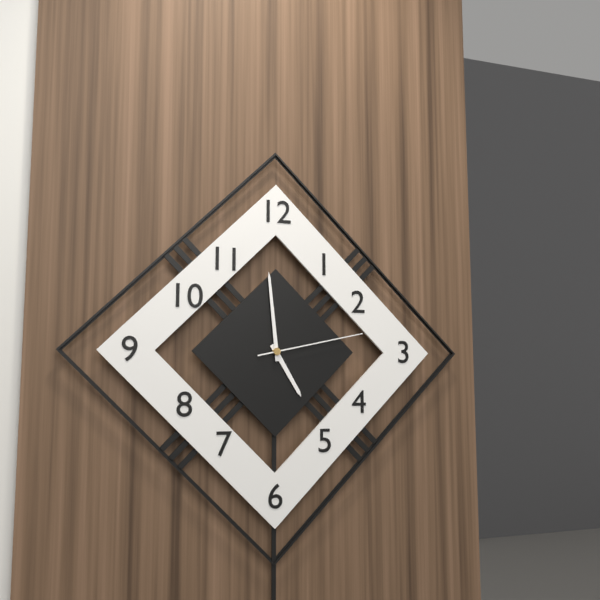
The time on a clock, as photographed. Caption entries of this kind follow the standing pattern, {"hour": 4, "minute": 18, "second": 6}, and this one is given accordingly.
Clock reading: {"hour": 4, "minute": 59, "second": 13}
